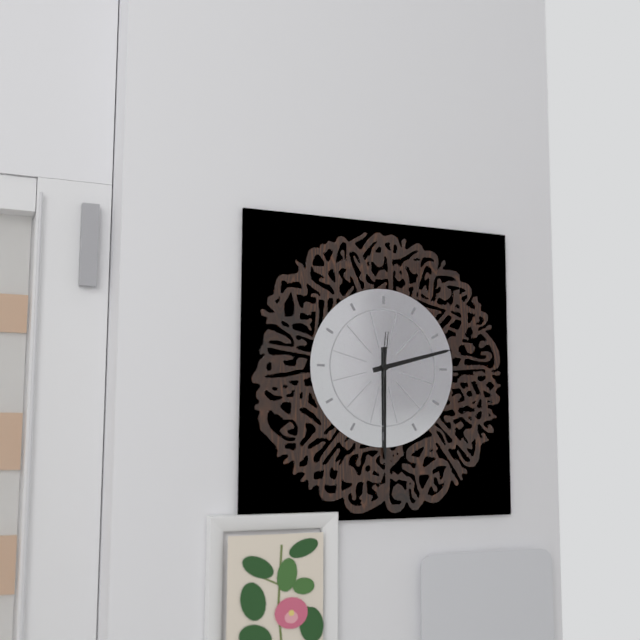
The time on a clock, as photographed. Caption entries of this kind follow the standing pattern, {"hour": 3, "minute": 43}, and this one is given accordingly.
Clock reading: {"hour": 2, "minute": 30}
